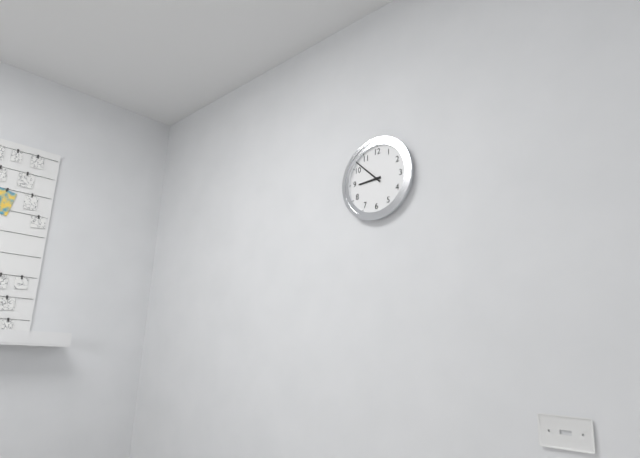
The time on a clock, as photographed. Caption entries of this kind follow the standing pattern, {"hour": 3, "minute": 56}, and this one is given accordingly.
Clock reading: {"hour": 8, "minute": 52}
